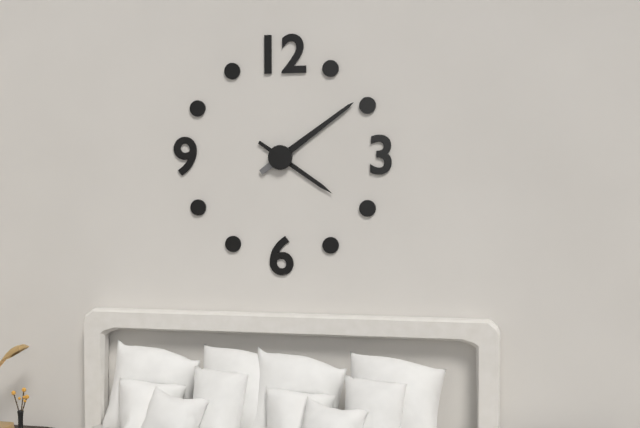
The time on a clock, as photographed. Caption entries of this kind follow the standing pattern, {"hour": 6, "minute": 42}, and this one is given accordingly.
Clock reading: {"hour": 4, "minute": 9}
